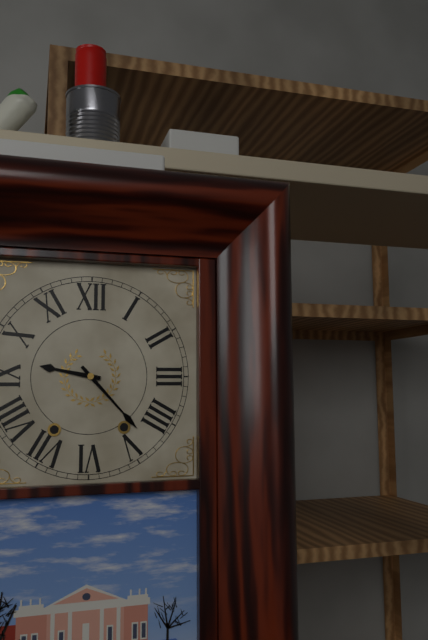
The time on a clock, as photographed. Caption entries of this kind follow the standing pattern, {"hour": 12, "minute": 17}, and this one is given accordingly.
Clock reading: {"hour": 9, "minute": 23}
